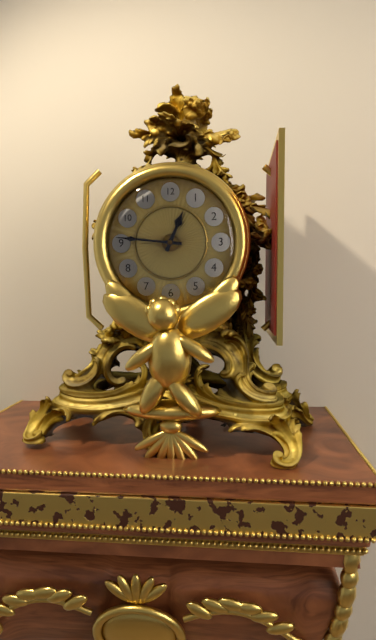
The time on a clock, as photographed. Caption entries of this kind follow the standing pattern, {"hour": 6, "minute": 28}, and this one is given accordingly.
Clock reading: {"hour": 12, "minute": 46}
